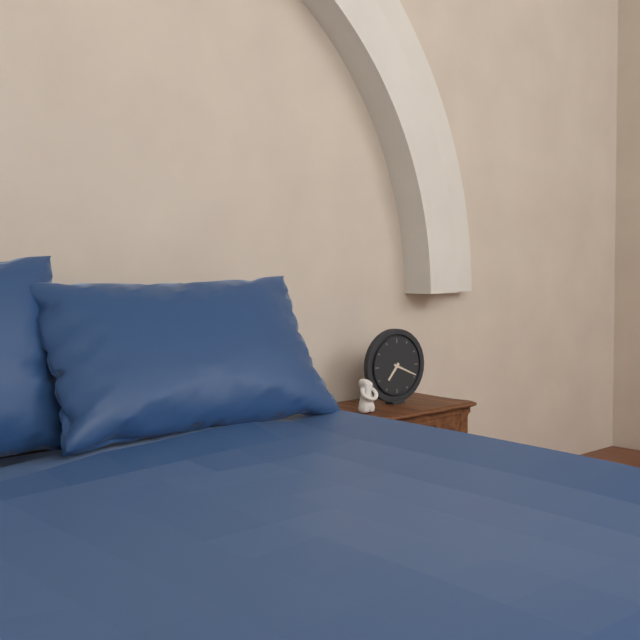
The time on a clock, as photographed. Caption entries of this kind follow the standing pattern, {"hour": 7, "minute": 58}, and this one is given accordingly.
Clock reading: {"hour": 7, "minute": 19}
